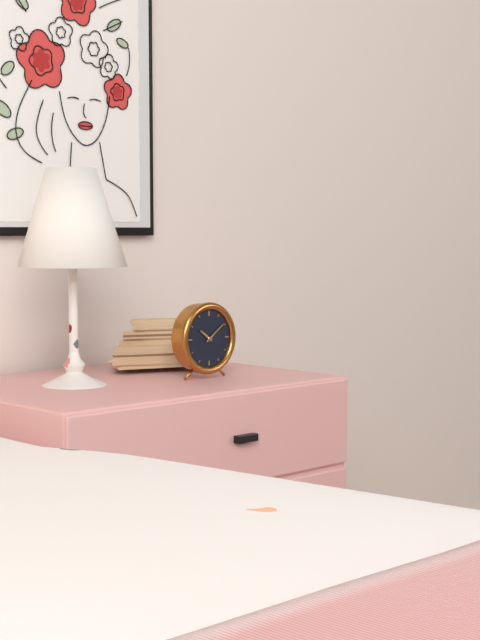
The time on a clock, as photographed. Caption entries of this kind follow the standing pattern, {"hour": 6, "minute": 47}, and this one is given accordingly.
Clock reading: {"hour": 10, "minute": 9}
